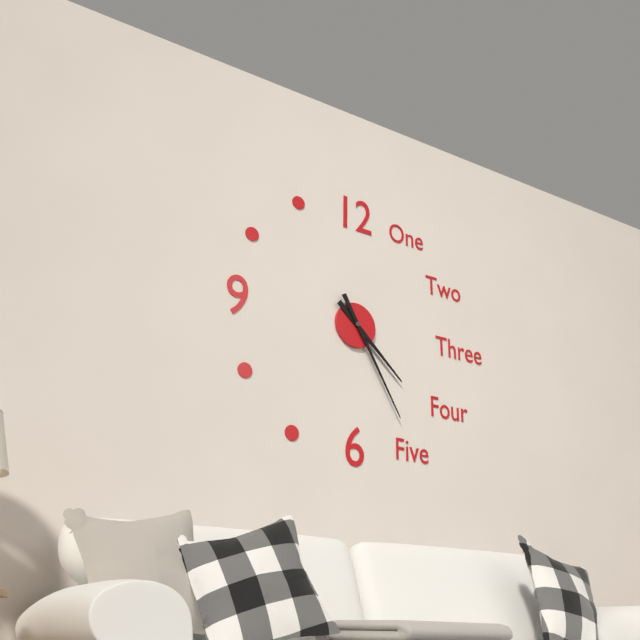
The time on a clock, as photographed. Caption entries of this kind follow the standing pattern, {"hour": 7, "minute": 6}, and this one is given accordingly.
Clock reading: {"hour": 4, "minute": 25}
